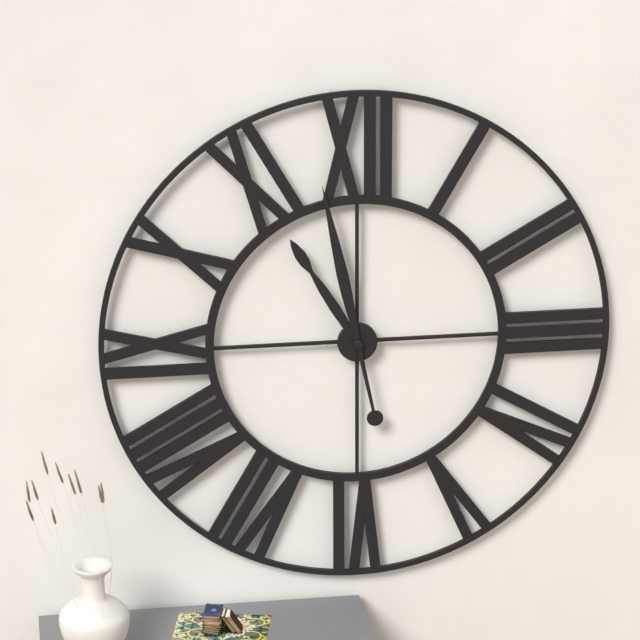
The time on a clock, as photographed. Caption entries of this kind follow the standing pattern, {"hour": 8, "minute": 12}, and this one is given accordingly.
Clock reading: {"hour": 10, "minute": 58}
